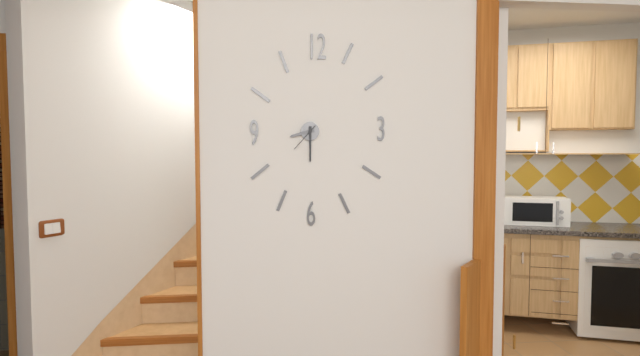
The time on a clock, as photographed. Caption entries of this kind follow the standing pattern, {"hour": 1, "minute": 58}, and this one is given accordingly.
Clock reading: {"hour": 8, "minute": 30}
